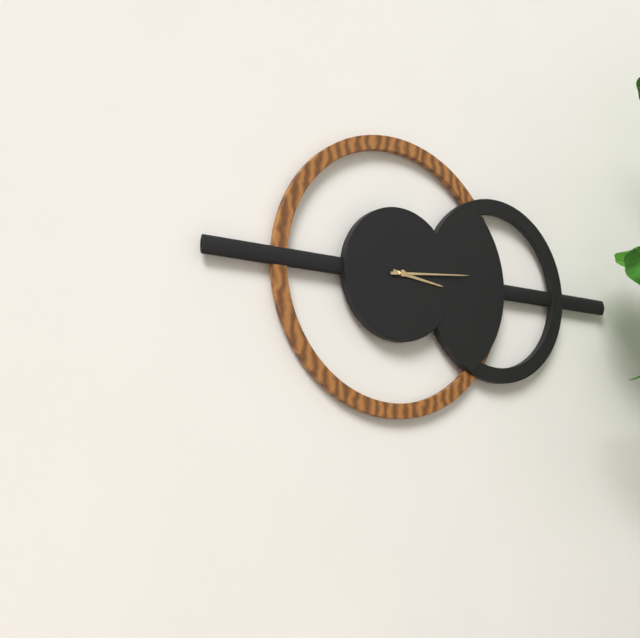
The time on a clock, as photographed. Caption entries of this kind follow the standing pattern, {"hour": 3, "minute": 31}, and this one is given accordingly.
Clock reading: {"hour": 3, "minute": 14}
